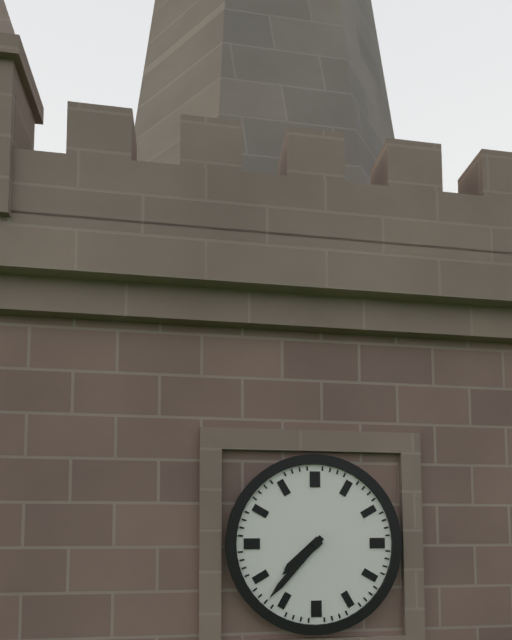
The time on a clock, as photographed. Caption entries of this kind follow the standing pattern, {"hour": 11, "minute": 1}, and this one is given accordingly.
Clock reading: {"hour": 7, "minute": 37}
